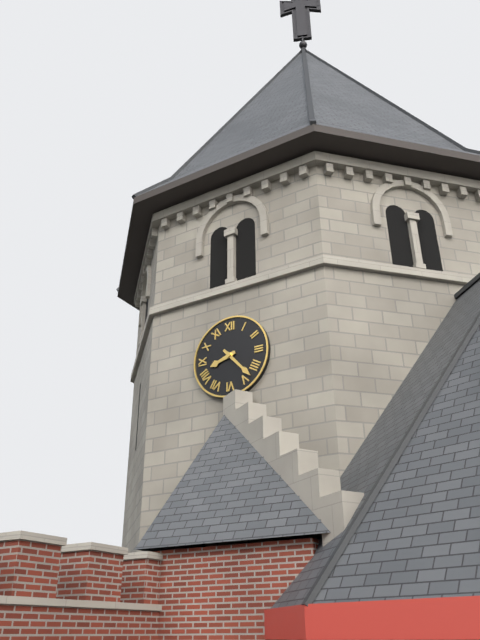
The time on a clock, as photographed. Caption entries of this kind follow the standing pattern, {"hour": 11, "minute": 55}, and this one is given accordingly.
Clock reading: {"hour": 8, "minute": 23}
